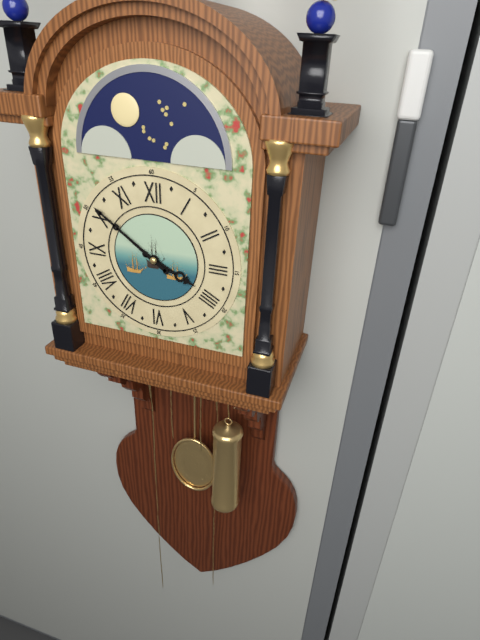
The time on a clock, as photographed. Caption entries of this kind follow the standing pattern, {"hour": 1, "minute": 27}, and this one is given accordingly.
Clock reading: {"hour": 3, "minute": 51}
